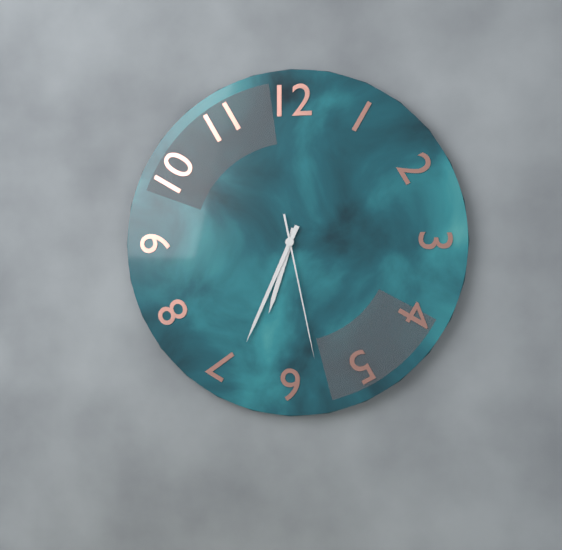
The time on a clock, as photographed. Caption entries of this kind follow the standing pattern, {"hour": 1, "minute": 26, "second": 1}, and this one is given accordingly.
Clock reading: {"hour": 6, "minute": 34, "second": 28}
